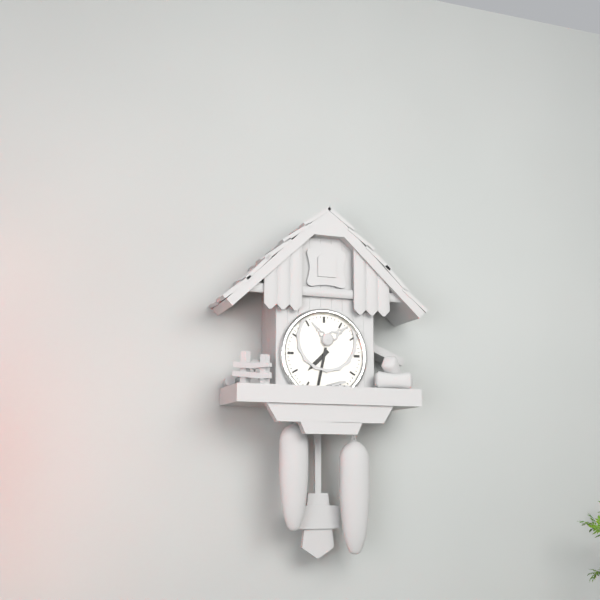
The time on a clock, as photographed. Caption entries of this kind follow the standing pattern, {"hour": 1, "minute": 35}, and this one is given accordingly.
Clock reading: {"hour": 7, "minute": 32}
